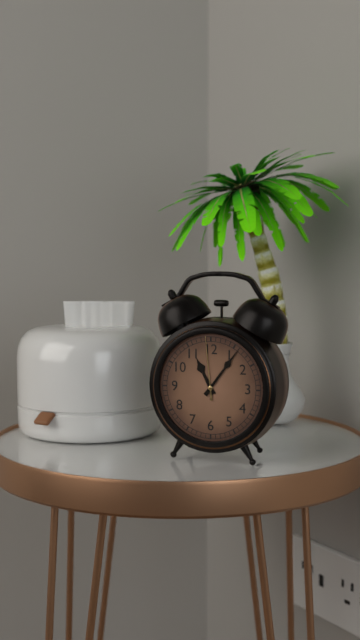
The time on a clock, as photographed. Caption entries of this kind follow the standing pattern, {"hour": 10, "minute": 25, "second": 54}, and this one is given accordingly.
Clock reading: {"hour": 11, "minute": 6, "second": 59}
